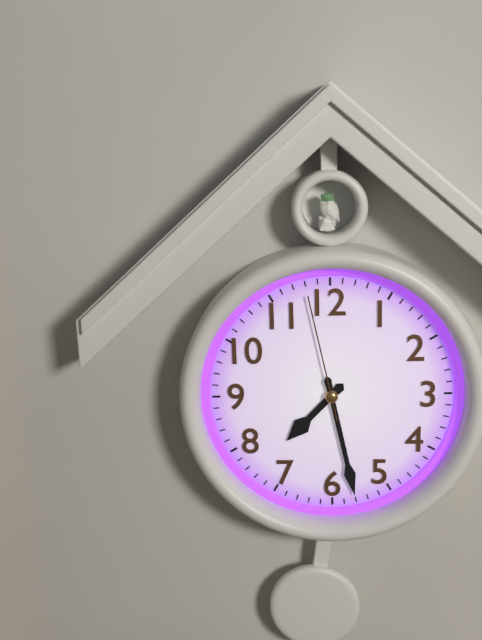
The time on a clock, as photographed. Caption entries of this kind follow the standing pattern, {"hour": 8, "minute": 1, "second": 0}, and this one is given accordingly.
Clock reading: {"hour": 7, "minute": 28, "second": 58}
